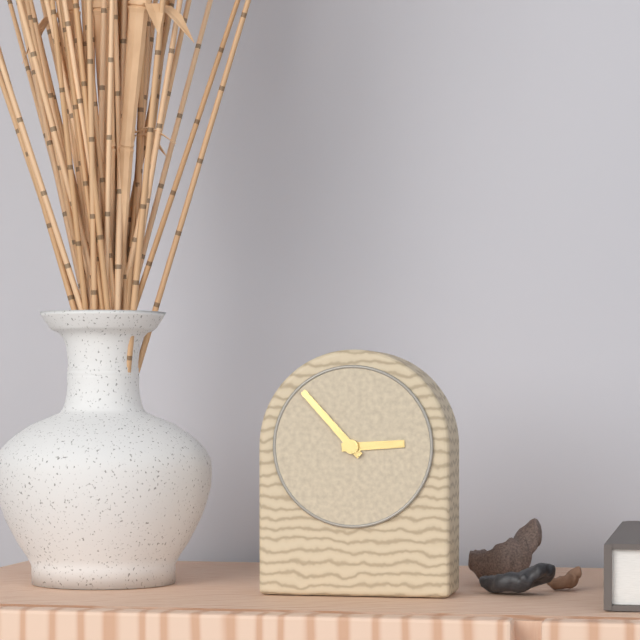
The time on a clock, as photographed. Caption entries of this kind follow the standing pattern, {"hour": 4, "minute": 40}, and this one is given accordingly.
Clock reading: {"hour": 2, "minute": 53}
